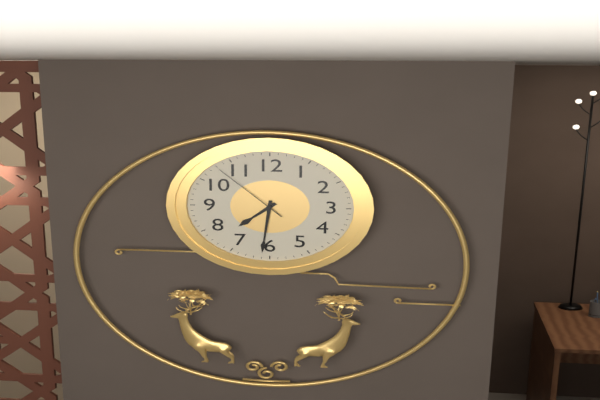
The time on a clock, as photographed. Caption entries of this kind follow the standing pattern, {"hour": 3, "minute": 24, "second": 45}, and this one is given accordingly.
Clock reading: {"hour": 7, "minute": 31, "second": 53}
